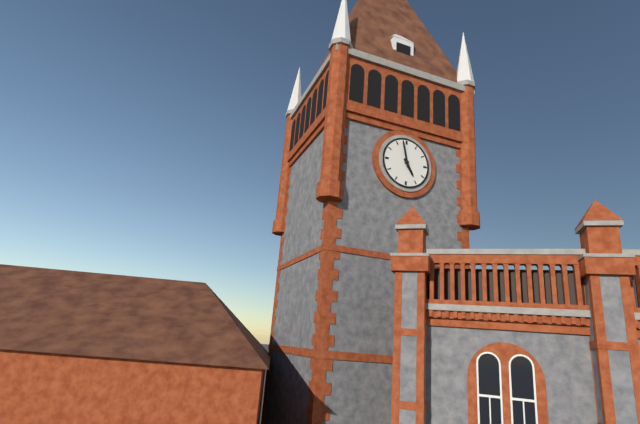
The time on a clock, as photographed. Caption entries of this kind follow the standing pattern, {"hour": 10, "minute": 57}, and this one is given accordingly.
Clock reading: {"hour": 4, "minute": 58}
